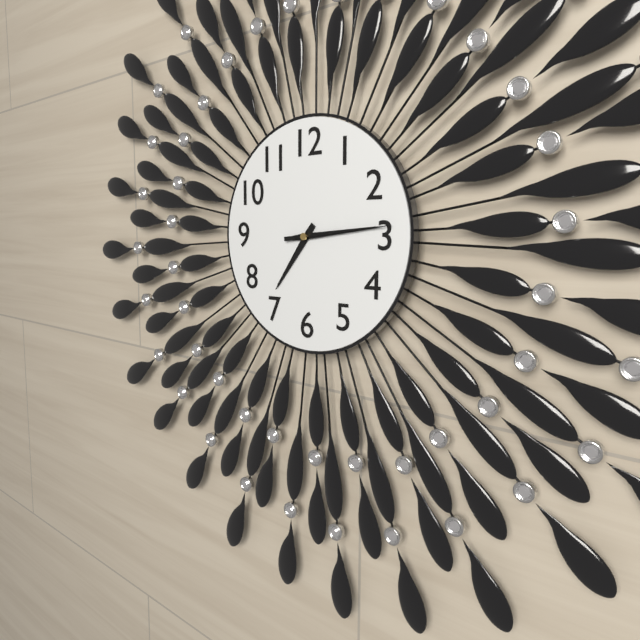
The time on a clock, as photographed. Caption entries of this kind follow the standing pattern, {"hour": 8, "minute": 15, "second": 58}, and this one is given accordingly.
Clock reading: {"hour": 7, "minute": 14, "second": 14}
